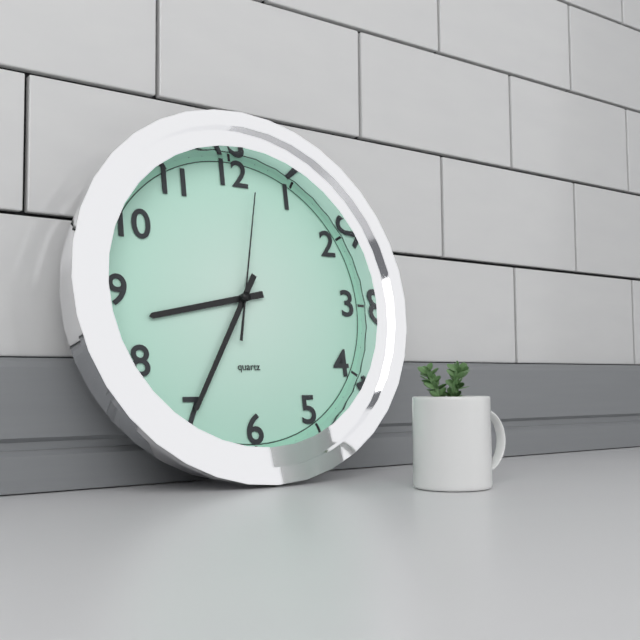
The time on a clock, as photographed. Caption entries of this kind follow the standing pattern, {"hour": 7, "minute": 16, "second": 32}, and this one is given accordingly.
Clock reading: {"hour": 8, "minute": 35, "second": 2}
